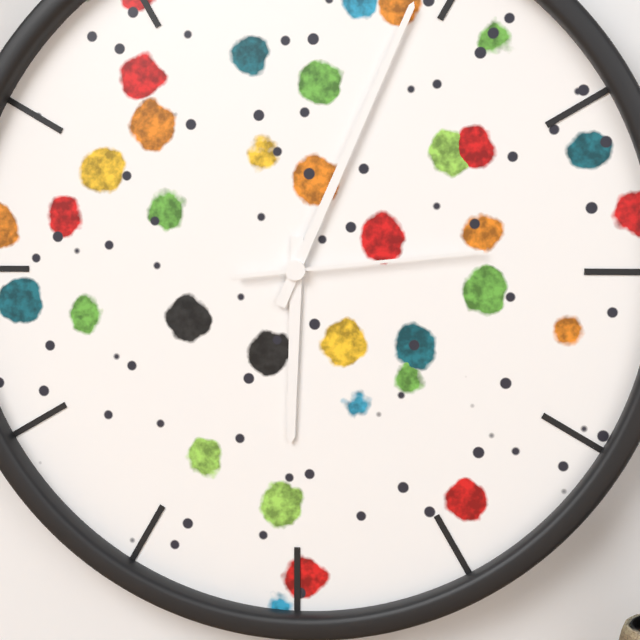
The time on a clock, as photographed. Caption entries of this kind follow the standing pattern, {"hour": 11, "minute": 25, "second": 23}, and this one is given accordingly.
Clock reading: {"hour": 6, "minute": 4, "second": 14}
